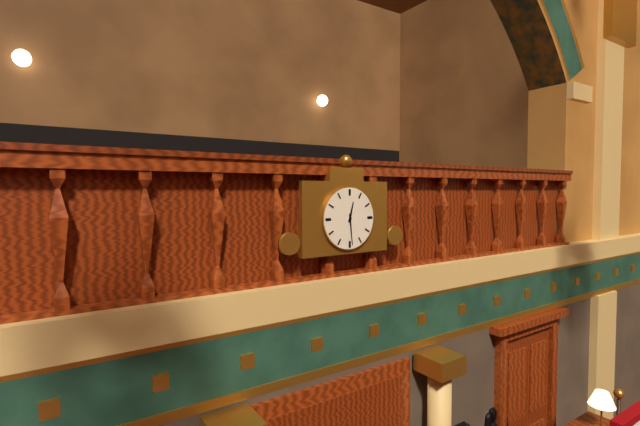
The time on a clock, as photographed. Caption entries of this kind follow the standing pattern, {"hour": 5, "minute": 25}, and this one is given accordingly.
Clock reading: {"hour": 12, "minute": 29}
